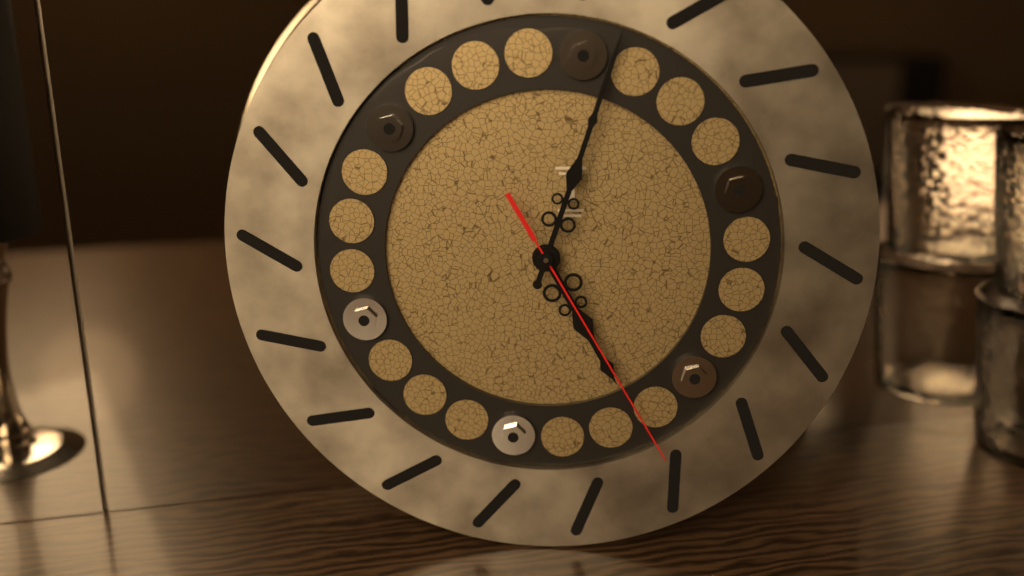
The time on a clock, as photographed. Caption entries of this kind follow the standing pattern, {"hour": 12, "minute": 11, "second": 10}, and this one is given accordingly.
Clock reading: {"hour": 5, "minute": 3, "second": 25}
